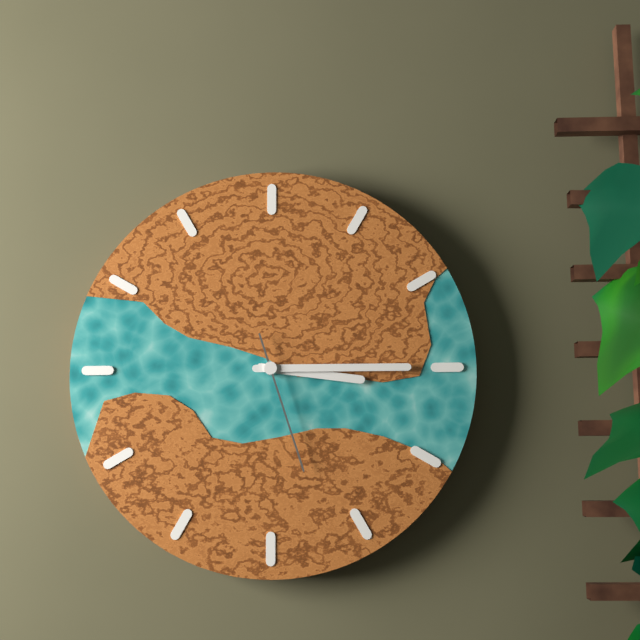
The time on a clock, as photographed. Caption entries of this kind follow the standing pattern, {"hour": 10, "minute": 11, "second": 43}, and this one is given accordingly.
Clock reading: {"hour": 3, "minute": 15, "second": 27}
